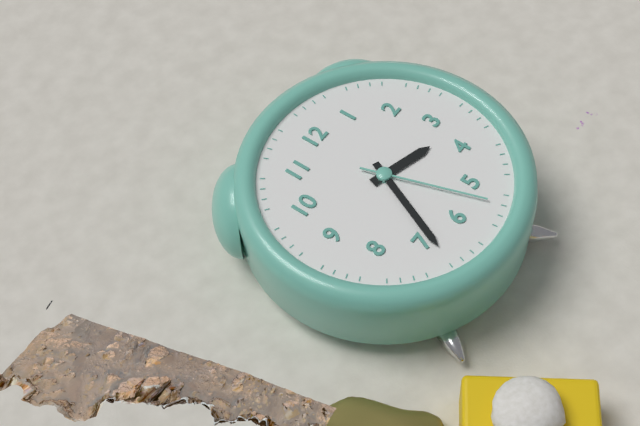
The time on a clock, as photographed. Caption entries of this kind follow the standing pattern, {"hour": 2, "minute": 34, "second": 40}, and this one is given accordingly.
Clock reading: {"hour": 3, "minute": 34, "second": 27}
